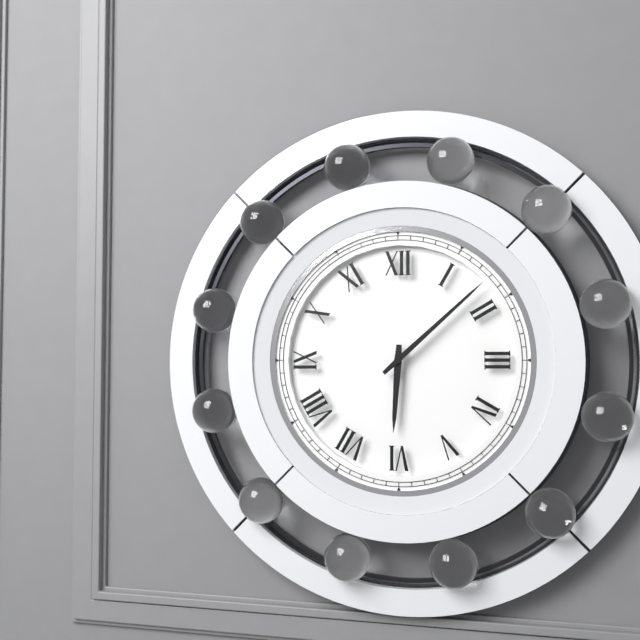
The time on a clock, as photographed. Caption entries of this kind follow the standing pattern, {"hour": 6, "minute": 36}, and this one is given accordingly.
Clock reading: {"hour": 6, "minute": 8}
